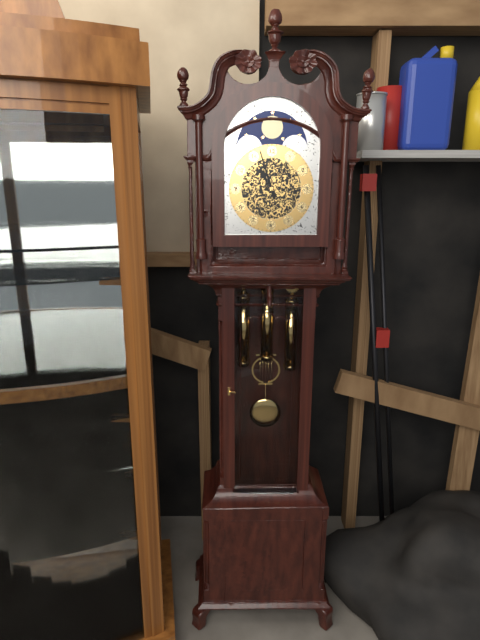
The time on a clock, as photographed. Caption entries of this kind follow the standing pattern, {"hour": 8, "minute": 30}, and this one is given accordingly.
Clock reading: {"hour": 10, "minute": 57}
